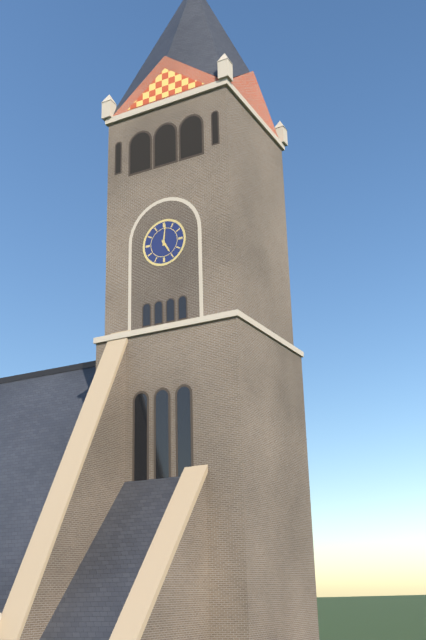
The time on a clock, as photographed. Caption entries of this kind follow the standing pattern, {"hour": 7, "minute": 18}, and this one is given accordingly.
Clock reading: {"hour": 5, "minute": 1}
